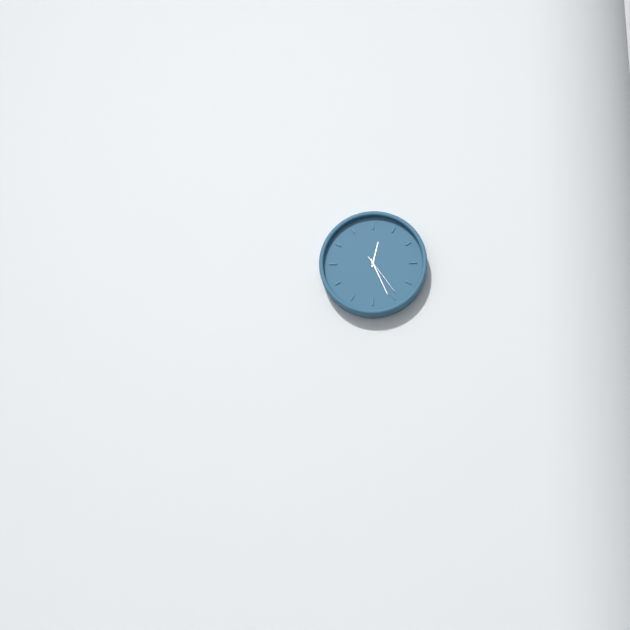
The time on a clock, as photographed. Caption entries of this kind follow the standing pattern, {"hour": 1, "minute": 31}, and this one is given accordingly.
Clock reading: {"hour": 12, "minute": 26}
